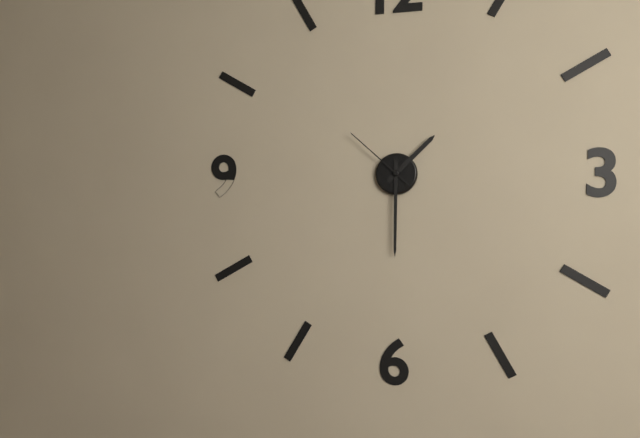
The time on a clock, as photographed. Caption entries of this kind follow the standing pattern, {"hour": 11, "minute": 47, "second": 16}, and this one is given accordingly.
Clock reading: {"hour": 1, "minute": 30, "second": 52}
